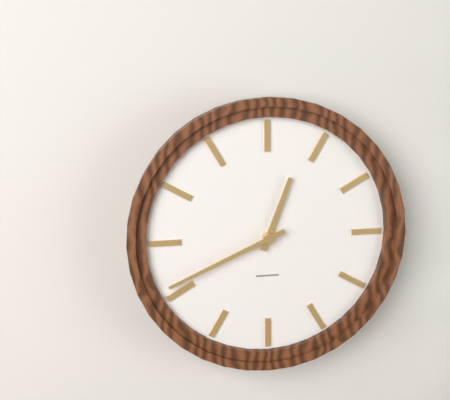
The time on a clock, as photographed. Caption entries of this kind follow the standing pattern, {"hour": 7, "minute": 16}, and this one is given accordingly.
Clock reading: {"hour": 12, "minute": 41}
